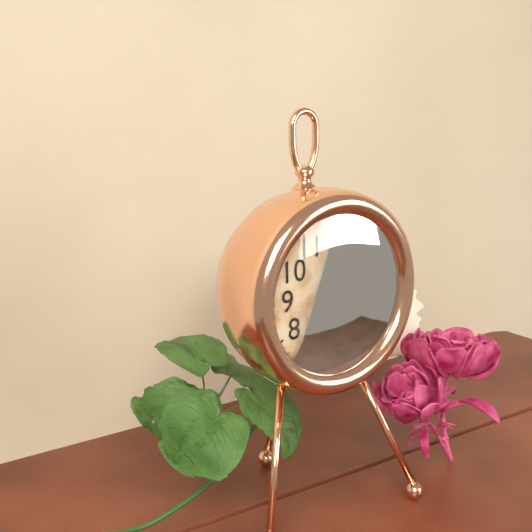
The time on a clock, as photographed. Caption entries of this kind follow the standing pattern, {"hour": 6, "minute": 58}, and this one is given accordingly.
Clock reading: {"hour": 4, "minute": 22}
